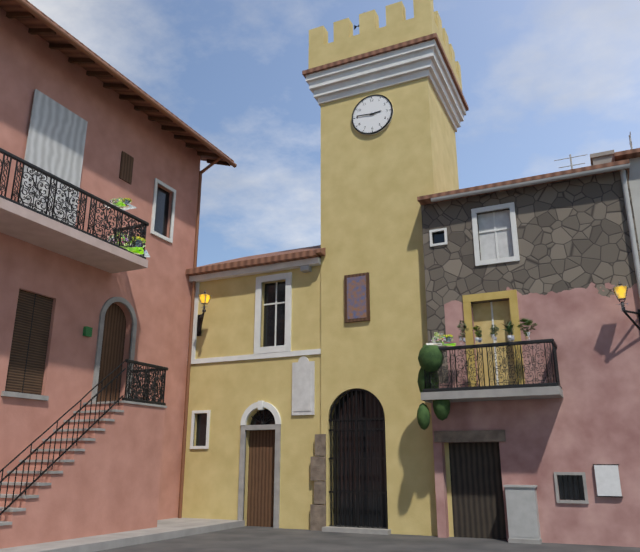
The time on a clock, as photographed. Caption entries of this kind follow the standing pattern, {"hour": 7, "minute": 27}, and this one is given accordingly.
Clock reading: {"hour": 2, "minute": 46}
